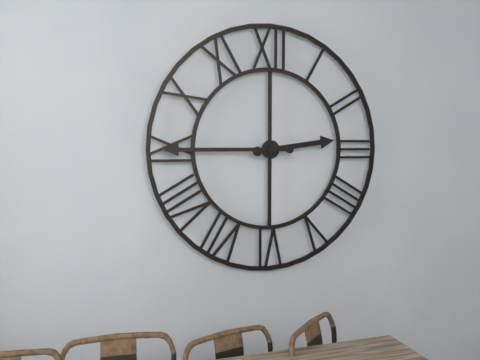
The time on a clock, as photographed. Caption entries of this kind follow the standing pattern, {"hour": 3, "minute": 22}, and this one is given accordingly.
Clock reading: {"hour": 2, "minute": 45}
